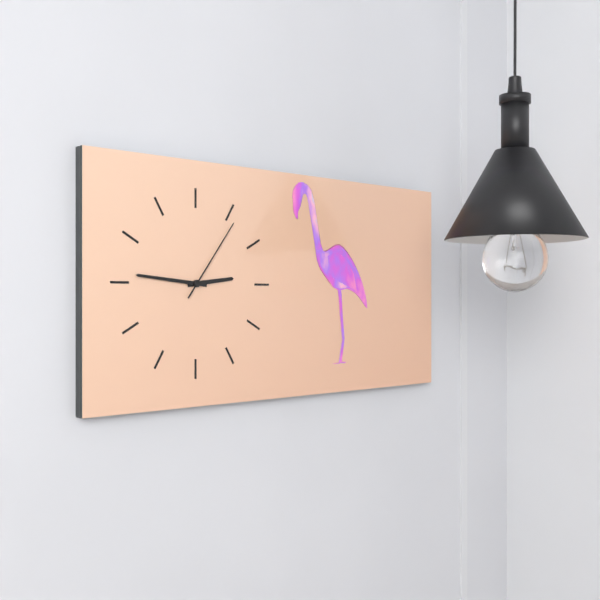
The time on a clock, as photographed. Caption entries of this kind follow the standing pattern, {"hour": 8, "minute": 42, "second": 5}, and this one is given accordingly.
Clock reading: {"hour": 2, "minute": 46, "second": 6}
